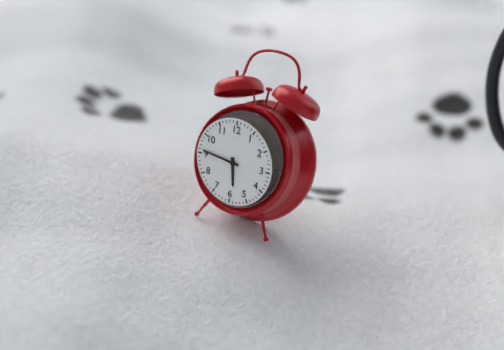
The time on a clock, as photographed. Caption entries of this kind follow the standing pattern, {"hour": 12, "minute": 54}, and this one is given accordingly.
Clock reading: {"hour": 5, "minute": 46}
